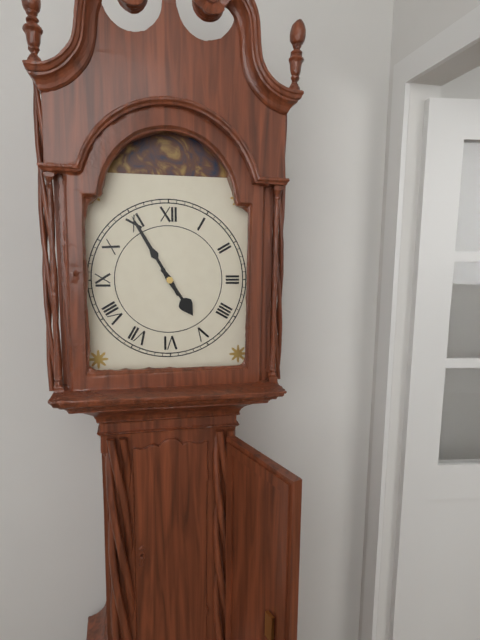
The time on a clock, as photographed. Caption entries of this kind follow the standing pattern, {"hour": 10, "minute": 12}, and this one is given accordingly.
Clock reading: {"hour": 4, "minute": 55}
